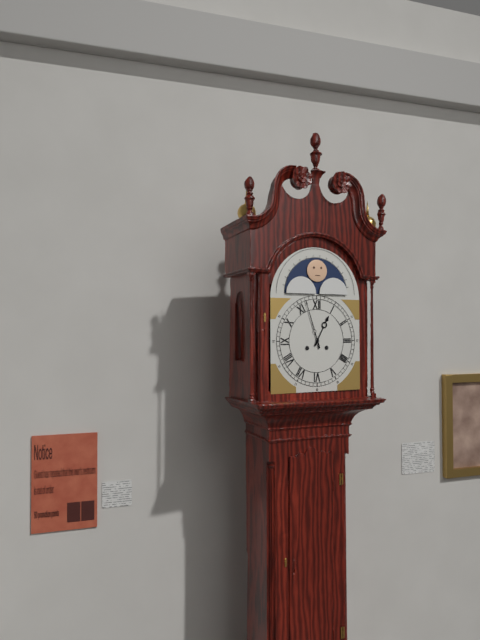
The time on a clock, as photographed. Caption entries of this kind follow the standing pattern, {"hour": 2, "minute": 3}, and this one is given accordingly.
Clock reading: {"hour": 12, "minute": 57}
